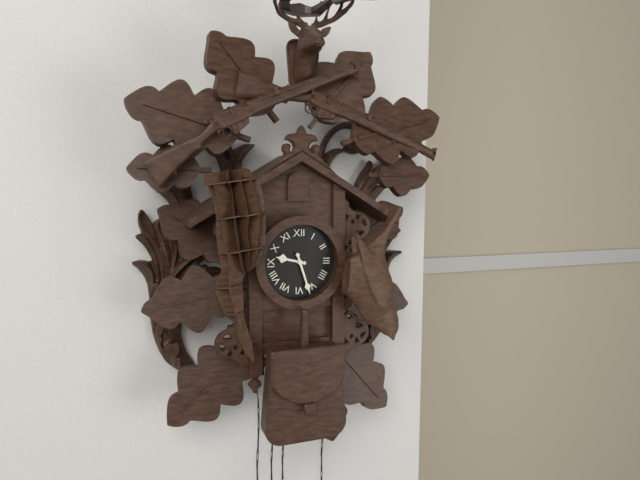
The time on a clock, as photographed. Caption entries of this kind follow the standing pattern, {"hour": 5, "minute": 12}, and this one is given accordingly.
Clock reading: {"hour": 9, "minute": 27}
